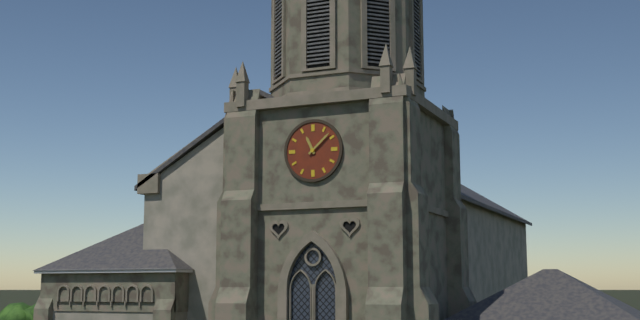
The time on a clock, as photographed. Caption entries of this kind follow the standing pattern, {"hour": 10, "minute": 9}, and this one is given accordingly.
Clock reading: {"hour": 11, "minute": 8}
